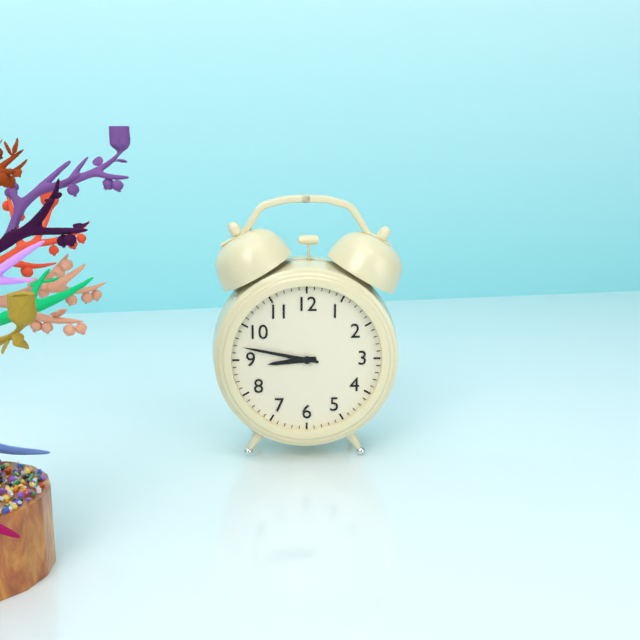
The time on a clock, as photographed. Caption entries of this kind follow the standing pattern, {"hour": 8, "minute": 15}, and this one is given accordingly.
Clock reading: {"hour": 8, "minute": 47}
